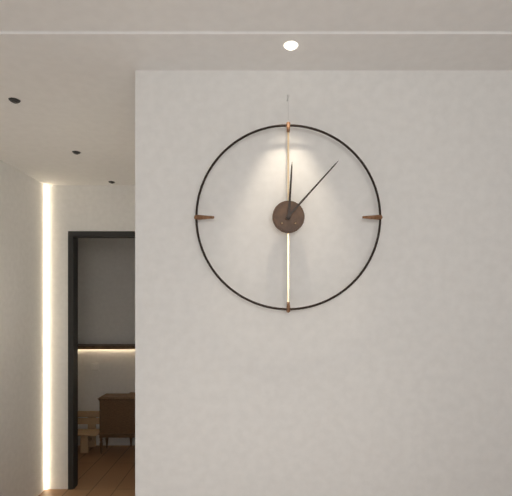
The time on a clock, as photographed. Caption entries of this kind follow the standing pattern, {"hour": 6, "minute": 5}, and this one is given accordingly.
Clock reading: {"hour": 12, "minute": 7}
